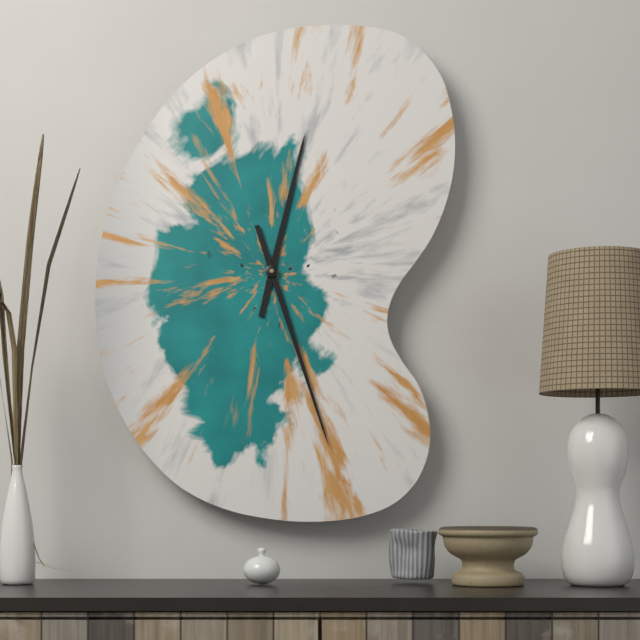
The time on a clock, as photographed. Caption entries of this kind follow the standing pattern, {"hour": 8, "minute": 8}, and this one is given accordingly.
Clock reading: {"hour": 12, "minute": 27}
